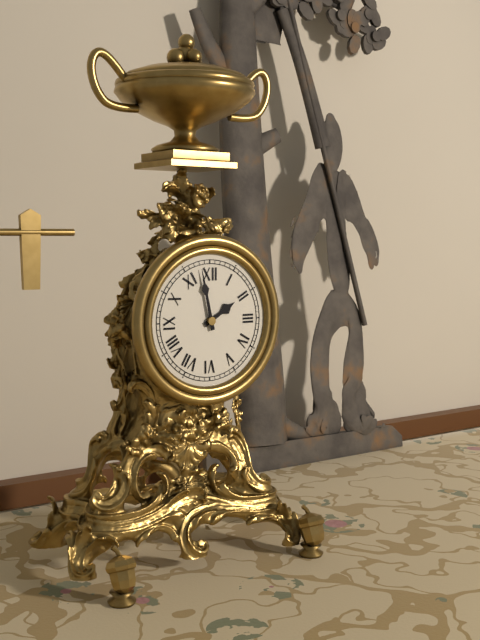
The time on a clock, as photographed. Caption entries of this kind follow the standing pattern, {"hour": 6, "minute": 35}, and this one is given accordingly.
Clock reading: {"hour": 1, "minute": 58}
